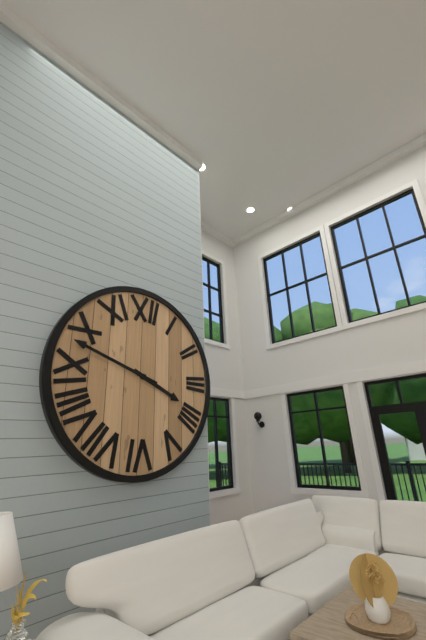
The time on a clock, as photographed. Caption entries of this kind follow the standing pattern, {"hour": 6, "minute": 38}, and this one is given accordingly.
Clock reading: {"hour": 3, "minute": 48}
